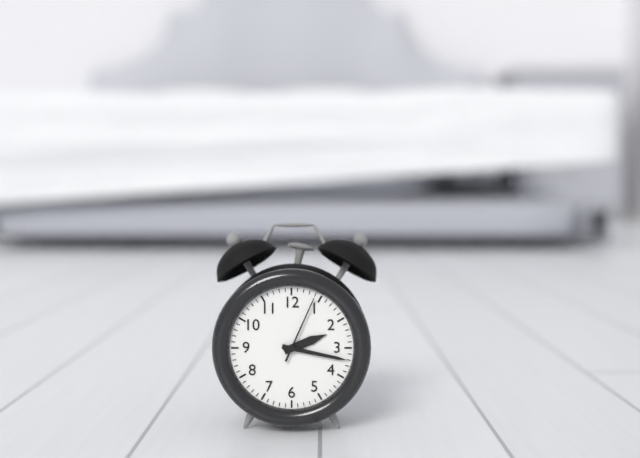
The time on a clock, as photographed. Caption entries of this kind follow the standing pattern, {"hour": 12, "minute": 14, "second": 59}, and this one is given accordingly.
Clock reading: {"hour": 2, "minute": 17, "second": 4}
